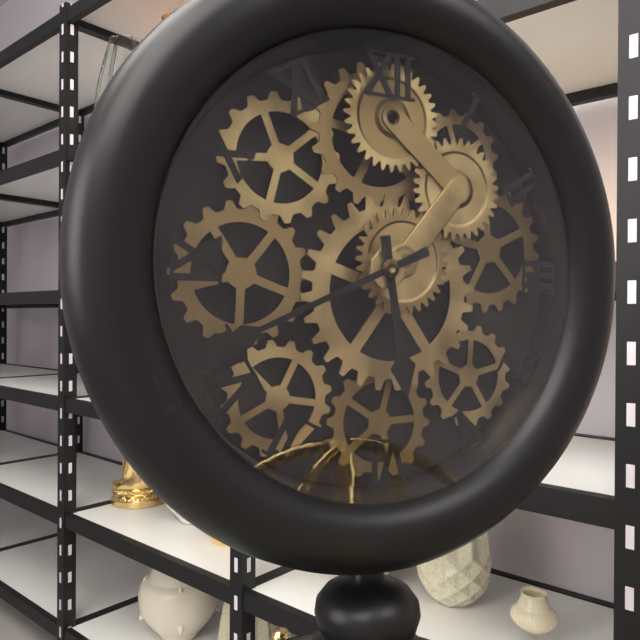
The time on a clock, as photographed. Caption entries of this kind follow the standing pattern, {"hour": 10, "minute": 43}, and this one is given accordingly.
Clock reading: {"hour": 5, "minute": 41}
